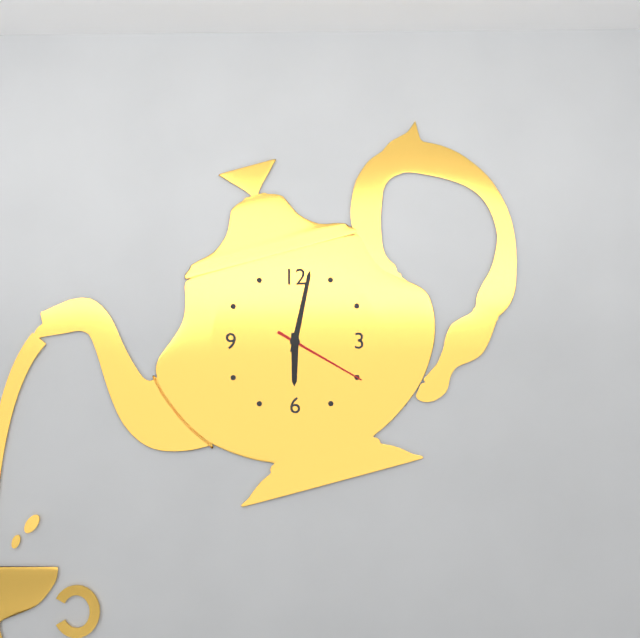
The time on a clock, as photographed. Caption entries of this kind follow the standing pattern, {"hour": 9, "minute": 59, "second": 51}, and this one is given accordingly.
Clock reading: {"hour": 6, "minute": 2, "second": 20}
